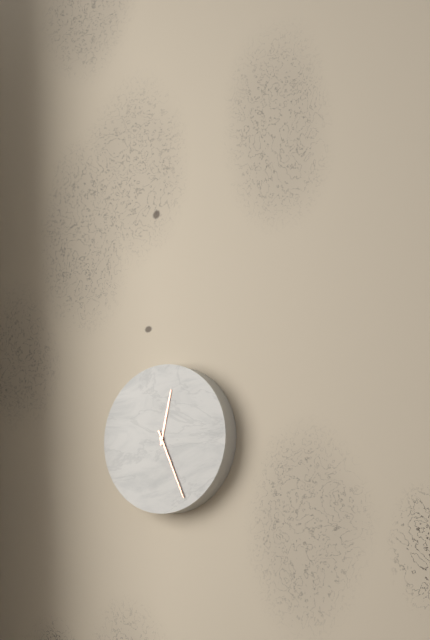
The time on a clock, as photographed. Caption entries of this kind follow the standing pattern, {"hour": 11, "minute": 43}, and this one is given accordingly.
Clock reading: {"hour": 12, "minute": 26}
